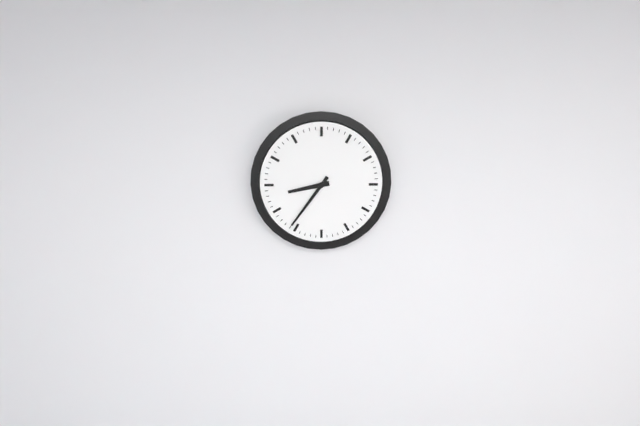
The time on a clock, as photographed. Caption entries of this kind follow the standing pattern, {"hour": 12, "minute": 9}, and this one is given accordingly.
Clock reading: {"hour": 8, "minute": 36}
